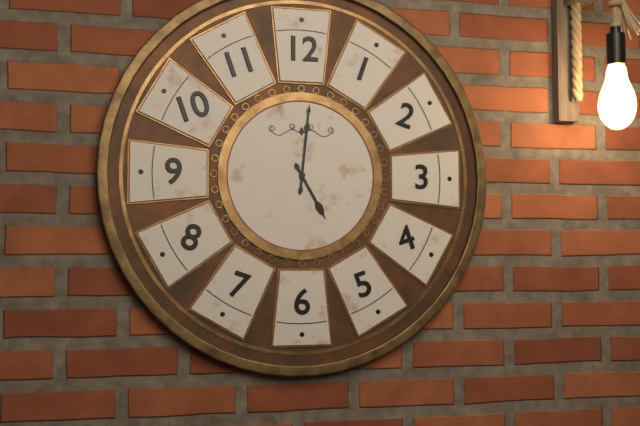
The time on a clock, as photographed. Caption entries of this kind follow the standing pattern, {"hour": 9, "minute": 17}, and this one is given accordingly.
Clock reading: {"hour": 5, "minute": 1}
